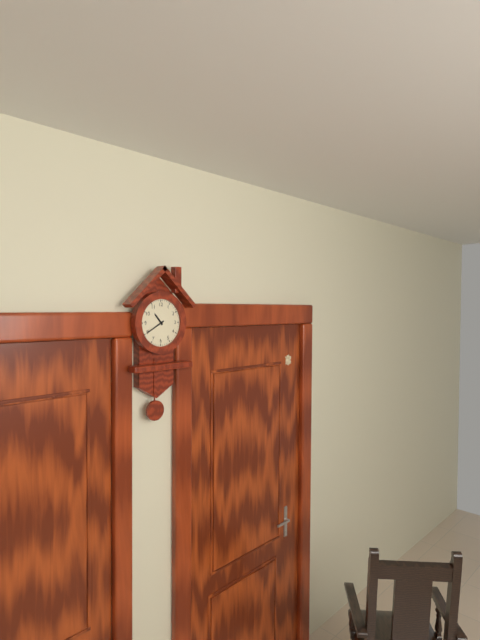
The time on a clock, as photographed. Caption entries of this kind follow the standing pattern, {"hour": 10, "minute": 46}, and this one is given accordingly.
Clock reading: {"hour": 10, "minute": 40}
